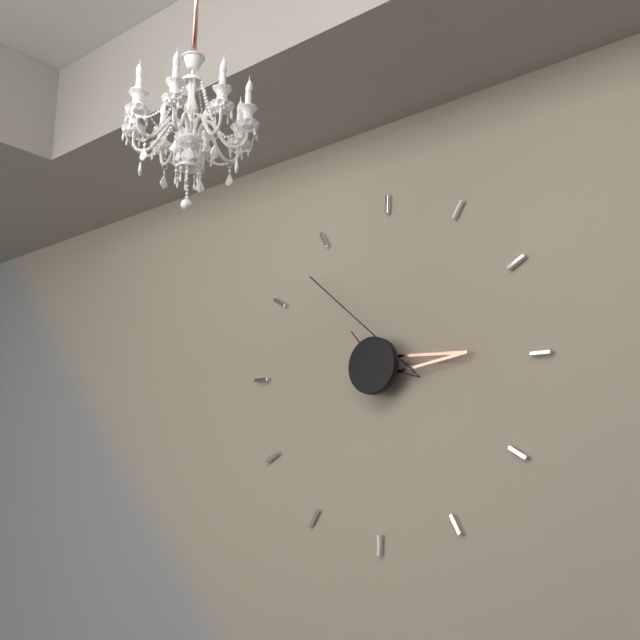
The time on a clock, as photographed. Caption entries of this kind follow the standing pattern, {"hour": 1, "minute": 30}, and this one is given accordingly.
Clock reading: {"hour": 2, "minute": 53}
